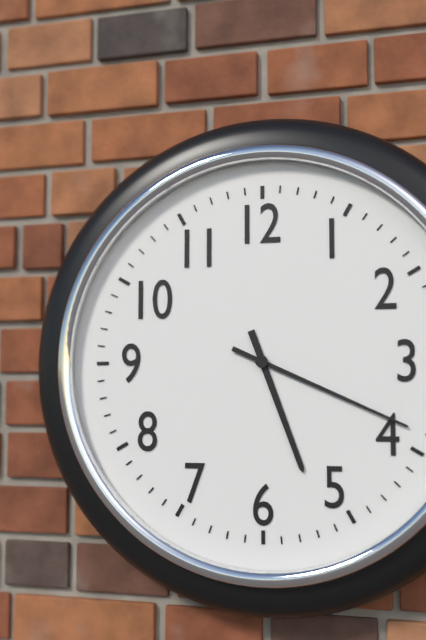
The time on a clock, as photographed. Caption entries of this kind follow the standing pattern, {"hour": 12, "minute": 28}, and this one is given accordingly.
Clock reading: {"hour": 5, "minute": 19}
